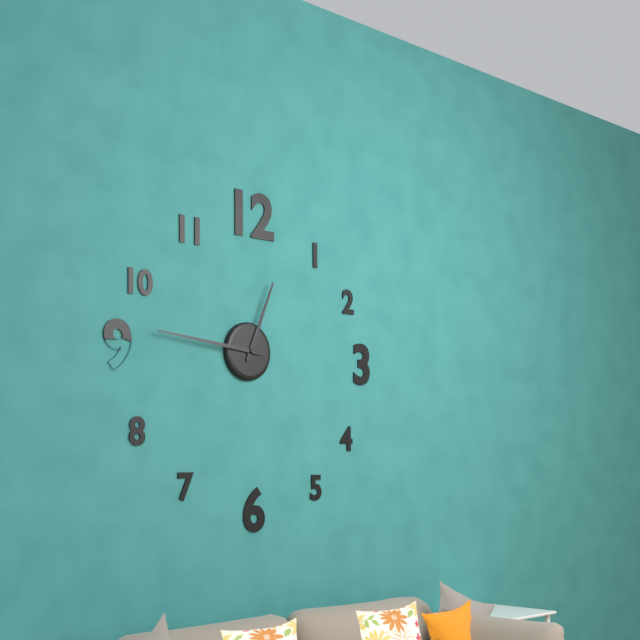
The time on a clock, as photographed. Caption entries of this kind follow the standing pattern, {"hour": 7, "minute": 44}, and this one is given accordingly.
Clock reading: {"hour": 12, "minute": 46}
